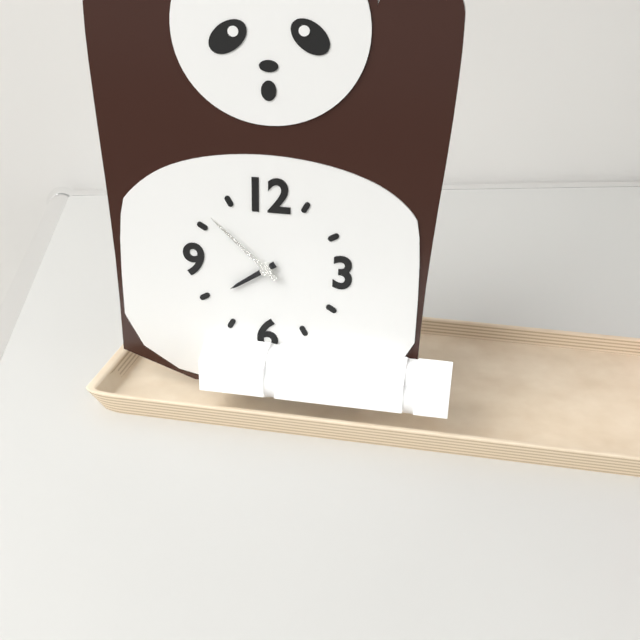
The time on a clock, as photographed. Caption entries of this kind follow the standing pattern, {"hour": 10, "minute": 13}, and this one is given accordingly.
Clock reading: {"hour": 7, "minute": 52}
